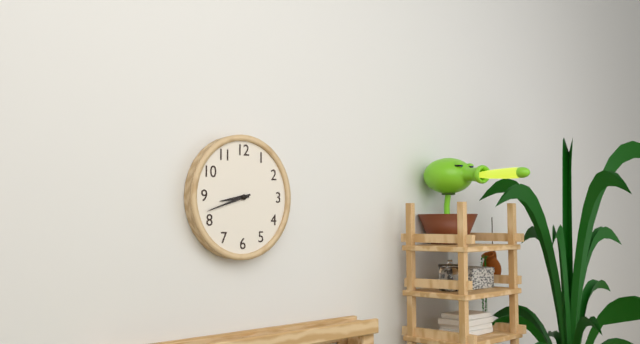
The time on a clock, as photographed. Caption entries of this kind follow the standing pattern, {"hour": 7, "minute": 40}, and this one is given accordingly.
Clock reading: {"hour": 8, "minute": 42}
